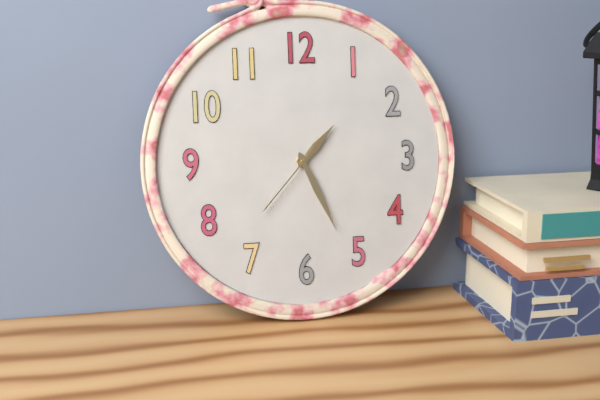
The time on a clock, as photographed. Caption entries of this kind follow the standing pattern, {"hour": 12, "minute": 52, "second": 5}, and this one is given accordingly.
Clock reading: {"hour": 1, "minute": 26, "second": 37}
